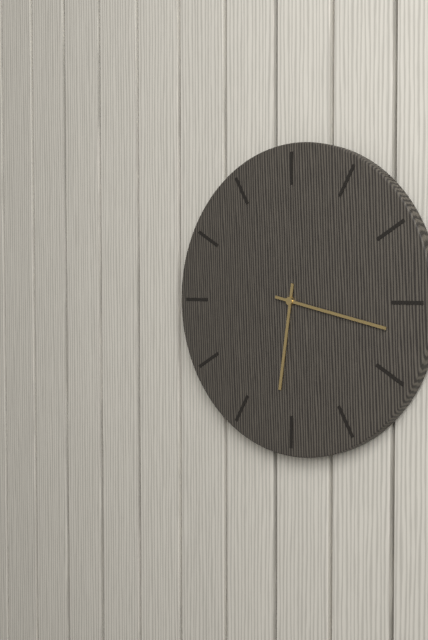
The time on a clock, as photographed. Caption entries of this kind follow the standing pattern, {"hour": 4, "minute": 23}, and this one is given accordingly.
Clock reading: {"hour": 6, "minute": 17}
